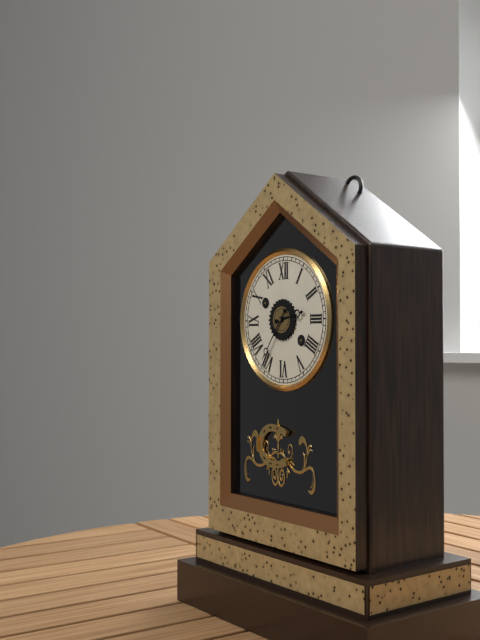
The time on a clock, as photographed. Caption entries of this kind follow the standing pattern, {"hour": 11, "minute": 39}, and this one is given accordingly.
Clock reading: {"hour": 2, "minute": 36}
